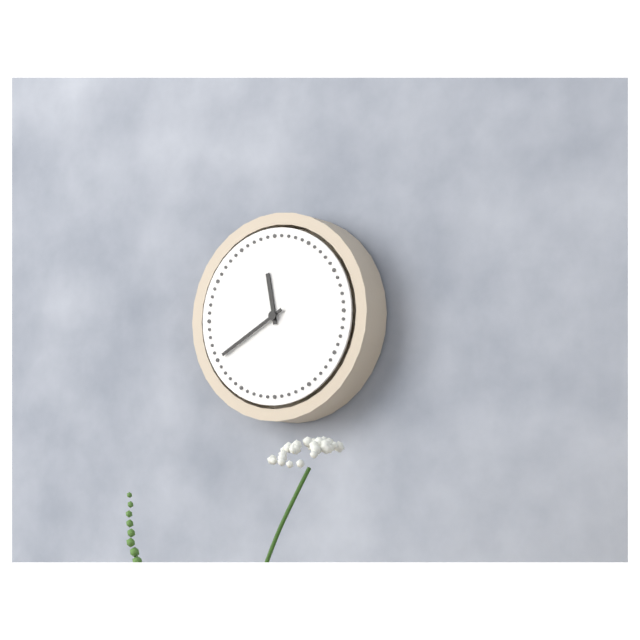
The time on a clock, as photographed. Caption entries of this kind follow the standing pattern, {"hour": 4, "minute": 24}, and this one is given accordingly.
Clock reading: {"hour": 11, "minute": 40}
